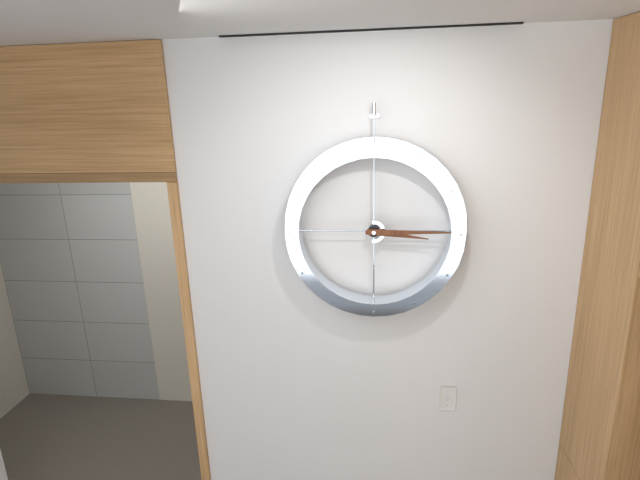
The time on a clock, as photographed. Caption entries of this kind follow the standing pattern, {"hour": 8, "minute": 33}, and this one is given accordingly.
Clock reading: {"hour": 3, "minute": 15}
